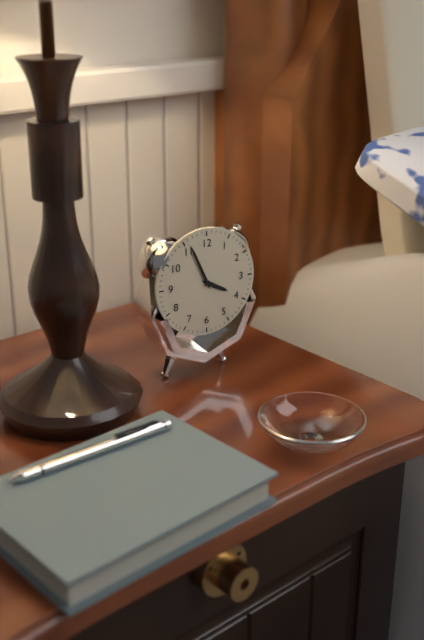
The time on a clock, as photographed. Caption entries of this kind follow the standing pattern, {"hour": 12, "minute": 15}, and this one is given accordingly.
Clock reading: {"hour": 3, "minute": 56}
